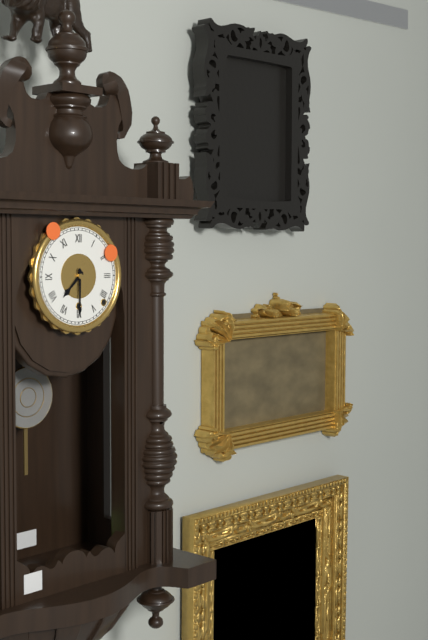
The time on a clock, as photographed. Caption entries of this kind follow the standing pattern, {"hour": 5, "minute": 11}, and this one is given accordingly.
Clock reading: {"hour": 7, "minute": 30}
